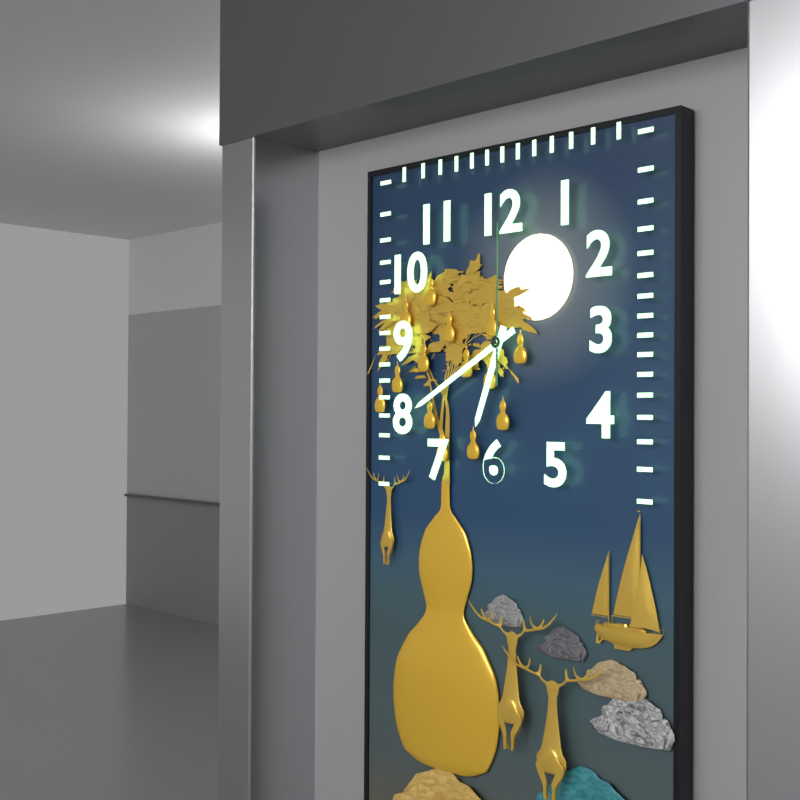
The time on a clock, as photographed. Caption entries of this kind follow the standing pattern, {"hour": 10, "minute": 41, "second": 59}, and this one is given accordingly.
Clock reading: {"hour": 6, "minute": 40, "second": 0}
